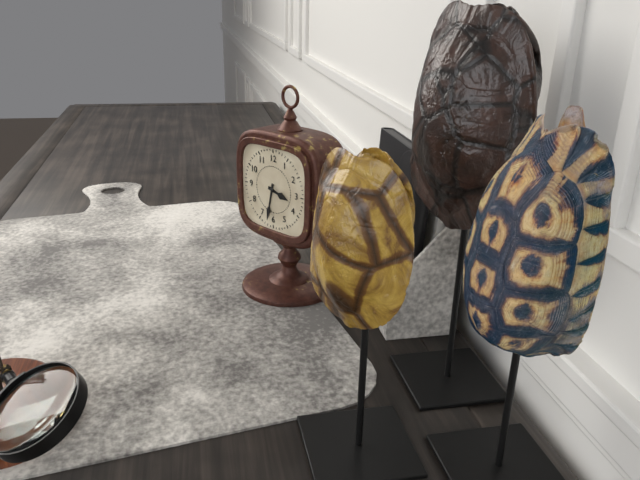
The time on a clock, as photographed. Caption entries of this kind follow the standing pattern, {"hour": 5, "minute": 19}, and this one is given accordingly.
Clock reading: {"hour": 3, "minute": 32}
